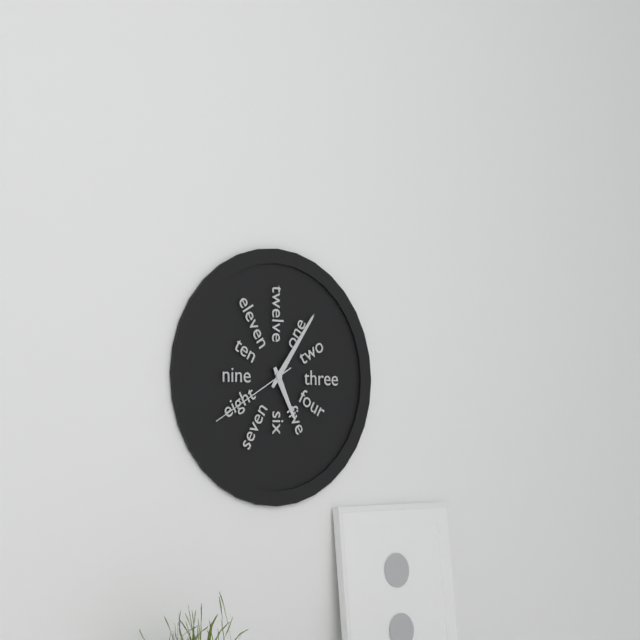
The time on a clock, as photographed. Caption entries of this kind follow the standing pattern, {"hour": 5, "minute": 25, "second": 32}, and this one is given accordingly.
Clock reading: {"hour": 5, "minute": 6, "second": 40}
